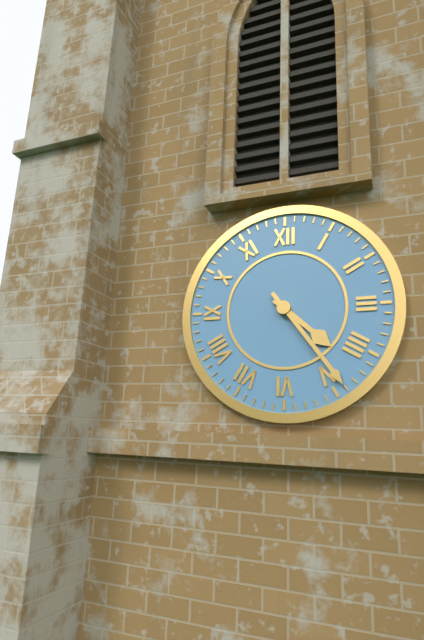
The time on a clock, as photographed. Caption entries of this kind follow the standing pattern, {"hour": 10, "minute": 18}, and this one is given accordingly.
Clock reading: {"hour": 4, "minute": 24}
